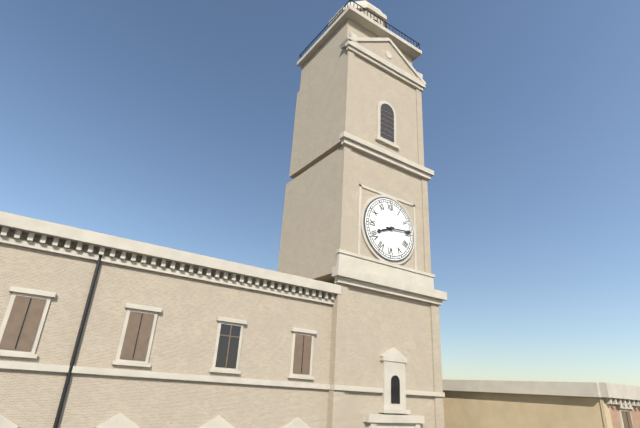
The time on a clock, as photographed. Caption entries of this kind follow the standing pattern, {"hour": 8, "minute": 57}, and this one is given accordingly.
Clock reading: {"hour": 8, "minute": 14}
